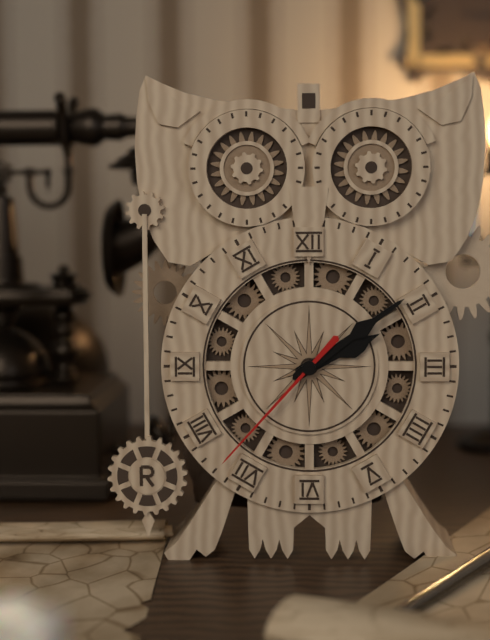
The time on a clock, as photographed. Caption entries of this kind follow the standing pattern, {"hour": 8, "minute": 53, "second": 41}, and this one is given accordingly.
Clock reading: {"hour": 2, "minute": 9, "second": 37}
